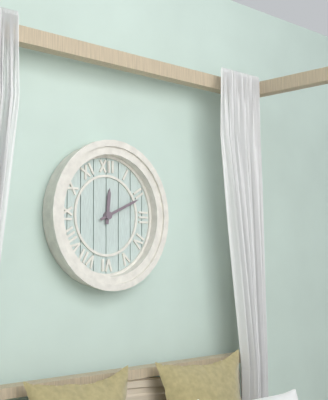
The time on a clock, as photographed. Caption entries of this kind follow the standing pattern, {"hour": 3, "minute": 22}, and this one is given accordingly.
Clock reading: {"hour": 12, "minute": 11}
